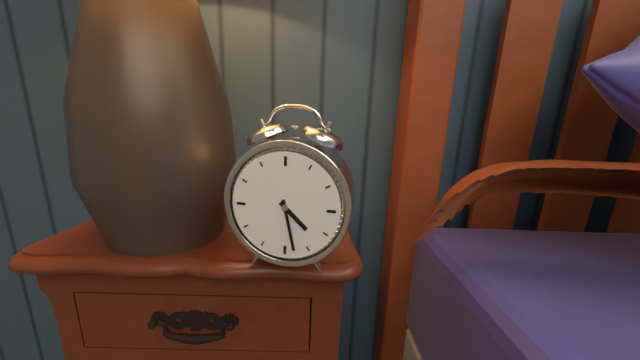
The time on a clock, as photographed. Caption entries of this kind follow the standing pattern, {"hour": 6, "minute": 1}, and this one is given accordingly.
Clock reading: {"hour": 4, "minute": 28}
